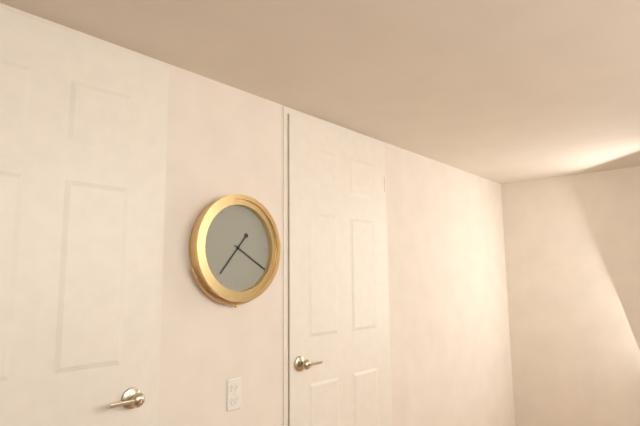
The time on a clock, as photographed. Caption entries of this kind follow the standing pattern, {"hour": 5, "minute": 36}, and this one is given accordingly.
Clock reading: {"hour": 7, "minute": 20}
